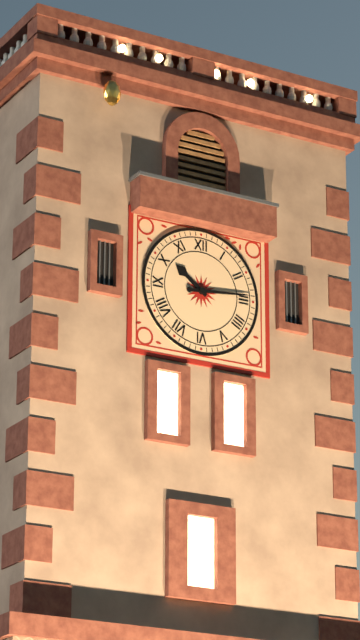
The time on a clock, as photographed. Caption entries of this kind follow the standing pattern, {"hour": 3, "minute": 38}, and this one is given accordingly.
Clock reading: {"hour": 10, "minute": 14}
